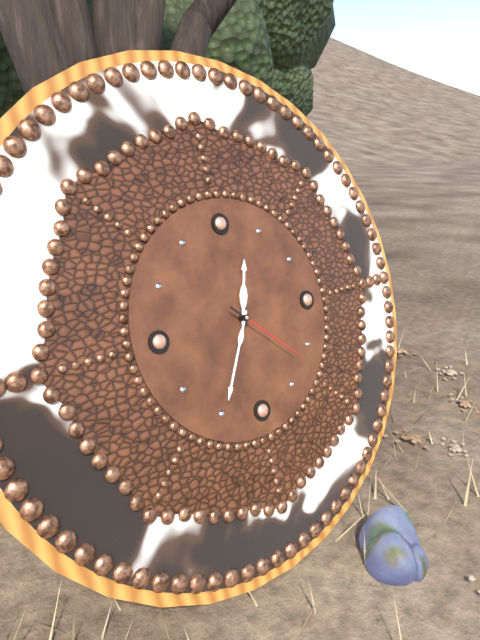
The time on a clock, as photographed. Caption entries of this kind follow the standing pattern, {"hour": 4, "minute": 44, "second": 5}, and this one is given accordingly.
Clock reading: {"hour": 12, "minute": 35, "second": 22}
